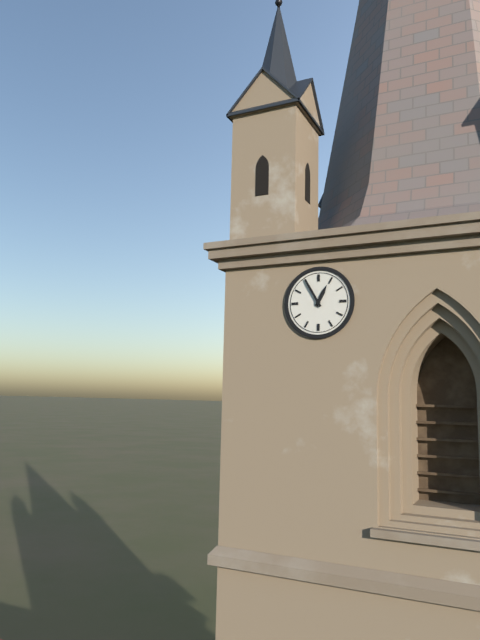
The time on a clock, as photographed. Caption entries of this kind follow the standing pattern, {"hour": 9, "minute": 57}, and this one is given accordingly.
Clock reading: {"hour": 12, "minute": 55}
